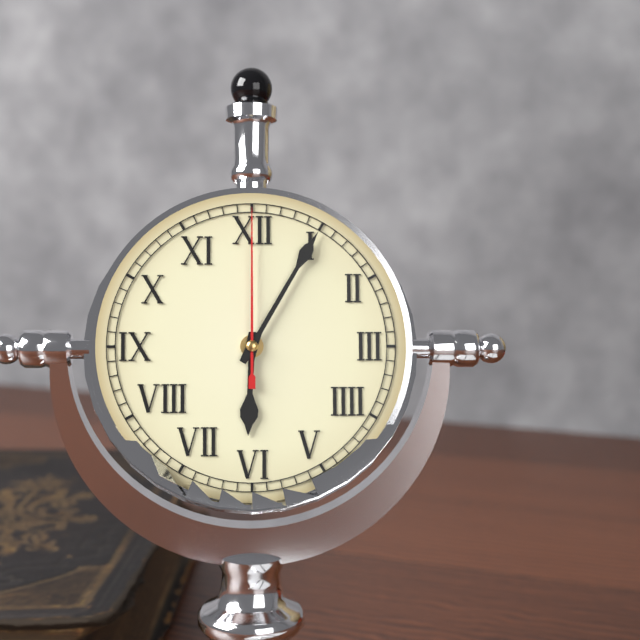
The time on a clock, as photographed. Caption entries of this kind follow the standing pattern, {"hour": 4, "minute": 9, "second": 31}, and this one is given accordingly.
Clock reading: {"hour": 6, "minute": 5, "second": 0}
